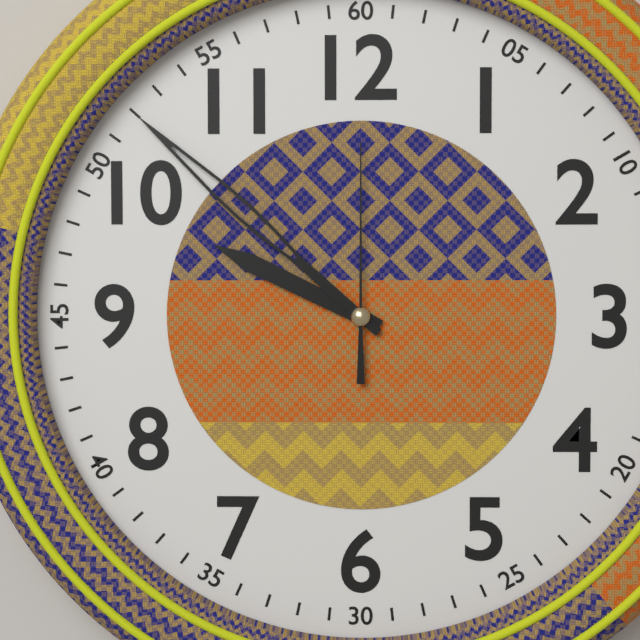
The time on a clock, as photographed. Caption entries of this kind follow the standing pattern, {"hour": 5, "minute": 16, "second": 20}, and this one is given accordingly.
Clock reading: {"hour": 9, "minute": 52, "second": 0}
